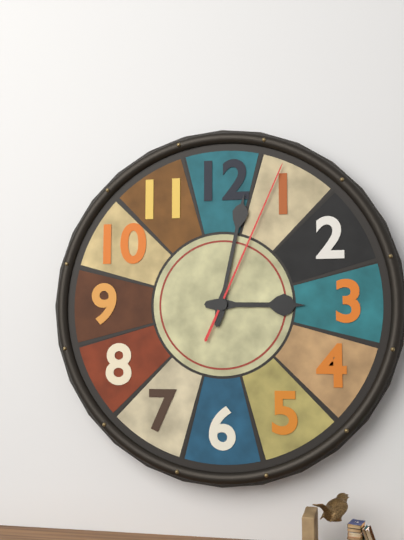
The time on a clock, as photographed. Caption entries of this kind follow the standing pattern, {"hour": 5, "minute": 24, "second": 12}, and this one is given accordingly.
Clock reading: {"hour": 3, "minute": 2, "second": 4}
